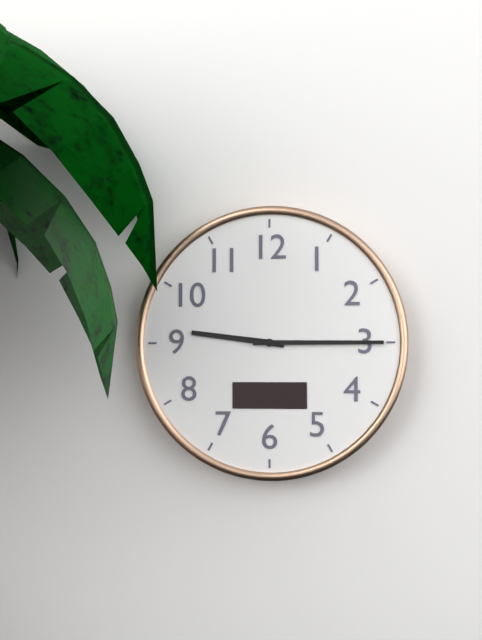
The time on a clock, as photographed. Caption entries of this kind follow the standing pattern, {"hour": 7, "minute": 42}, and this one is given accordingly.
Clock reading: {"hour": 9, "minute": 15}
